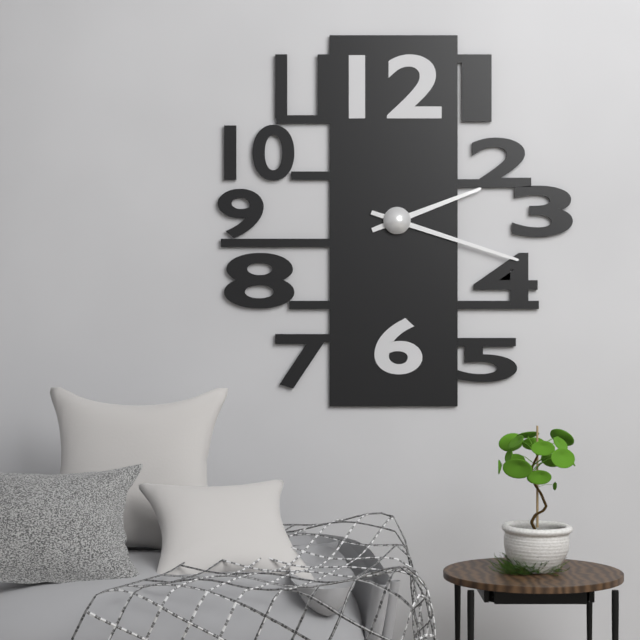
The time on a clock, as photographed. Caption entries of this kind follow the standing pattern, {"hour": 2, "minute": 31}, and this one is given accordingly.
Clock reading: {"hour": 2, "minute": 18}
